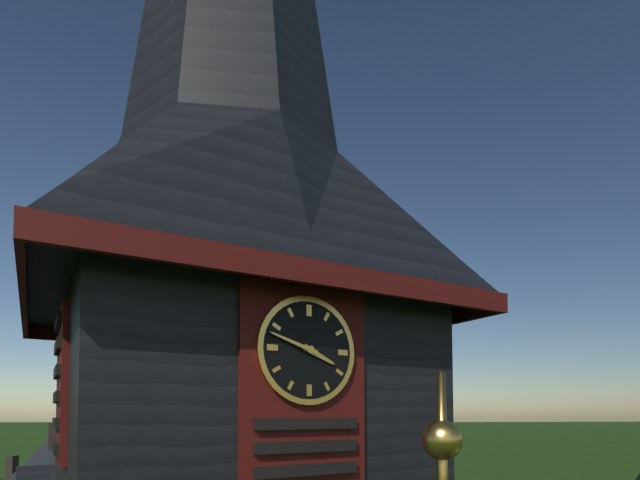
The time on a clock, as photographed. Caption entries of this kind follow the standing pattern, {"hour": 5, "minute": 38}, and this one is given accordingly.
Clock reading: {"hour": 3, "minute": 48}
